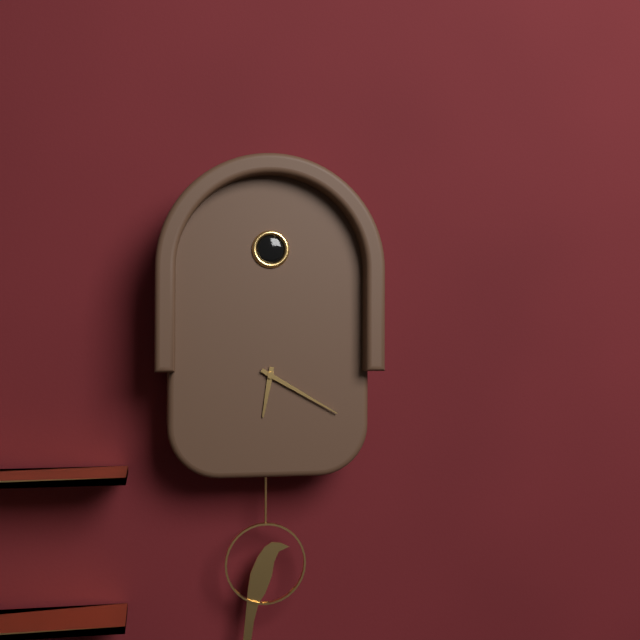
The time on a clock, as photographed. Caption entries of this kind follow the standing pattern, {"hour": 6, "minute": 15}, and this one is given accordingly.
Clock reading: {"hour": 6, "minute": 20}
